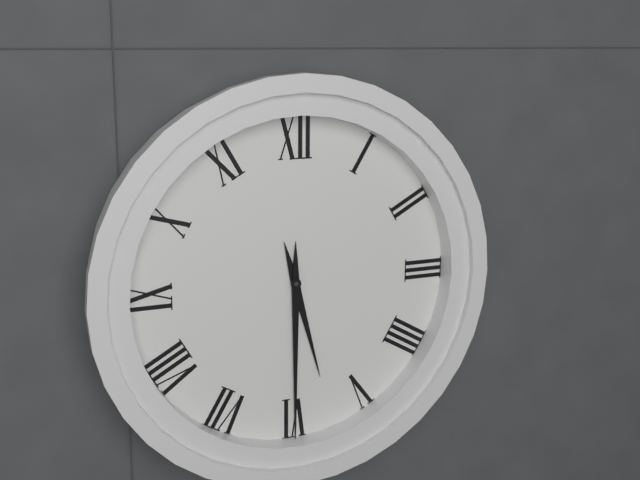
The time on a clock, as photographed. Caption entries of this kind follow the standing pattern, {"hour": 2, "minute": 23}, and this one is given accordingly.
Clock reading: {"hour": 5, "minute": 30}
